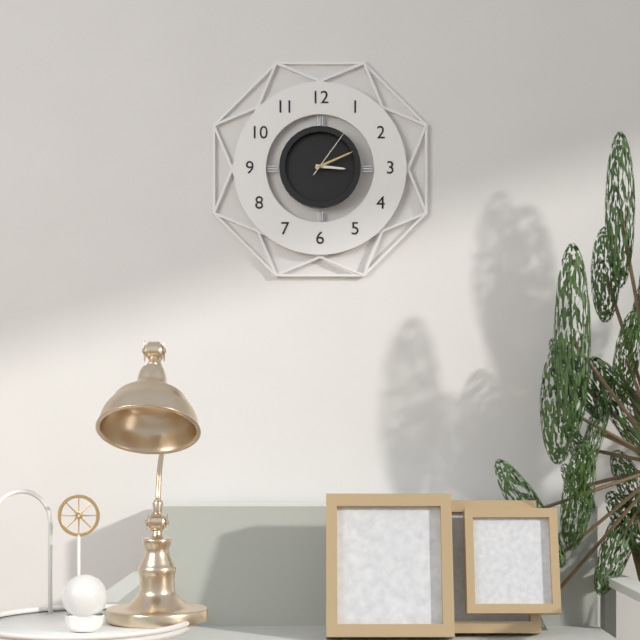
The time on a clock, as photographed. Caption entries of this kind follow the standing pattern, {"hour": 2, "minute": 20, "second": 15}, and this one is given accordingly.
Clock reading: {"hour": 3, "minute": 11, "second": 6}
